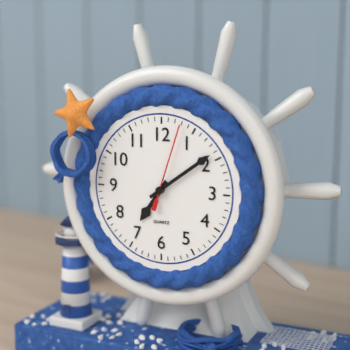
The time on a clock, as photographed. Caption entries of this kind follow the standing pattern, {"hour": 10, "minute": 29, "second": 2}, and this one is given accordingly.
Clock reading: {"hour": 7, "minute": 9, "second": 3}
